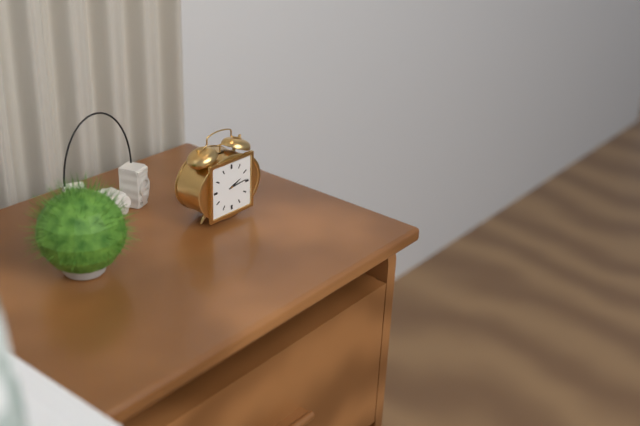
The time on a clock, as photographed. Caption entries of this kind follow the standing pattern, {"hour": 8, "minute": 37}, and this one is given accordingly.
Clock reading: {"hour": 2, "minute": 14}
